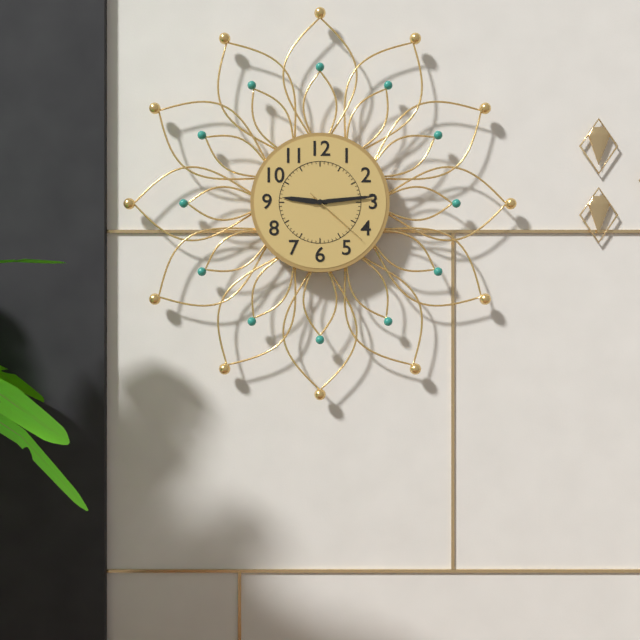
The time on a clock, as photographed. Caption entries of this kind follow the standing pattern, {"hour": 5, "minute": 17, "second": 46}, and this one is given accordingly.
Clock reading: {"hour": 9, "minute": 14, "second": 22}
